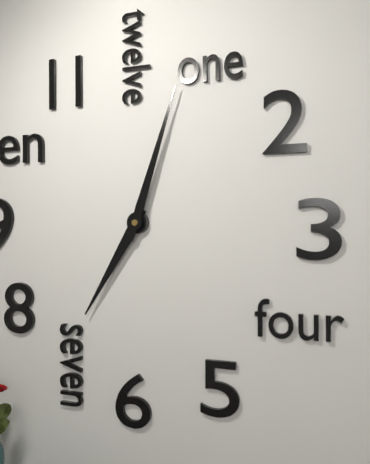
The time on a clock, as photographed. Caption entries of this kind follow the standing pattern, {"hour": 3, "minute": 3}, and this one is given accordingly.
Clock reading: {"hour": 7, "minute": 3}
